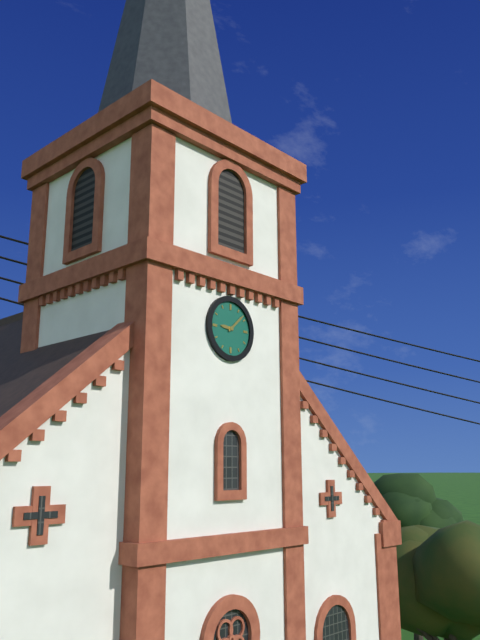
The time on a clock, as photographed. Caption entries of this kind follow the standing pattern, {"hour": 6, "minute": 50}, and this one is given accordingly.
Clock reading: {"hour": 9, "minute": 8}
